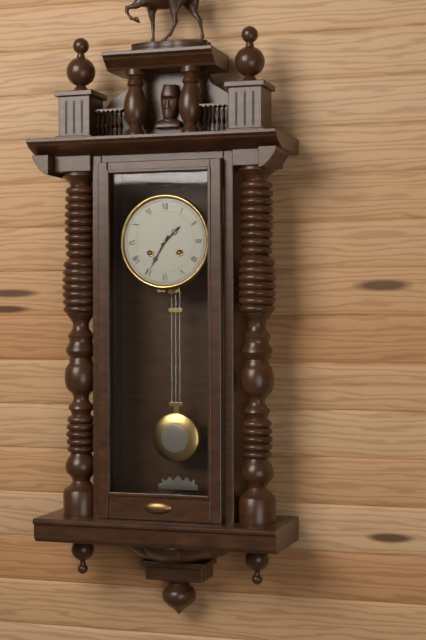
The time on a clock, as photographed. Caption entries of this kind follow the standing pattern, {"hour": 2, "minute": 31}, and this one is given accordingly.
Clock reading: {"hour": 1, "minute": 35}
